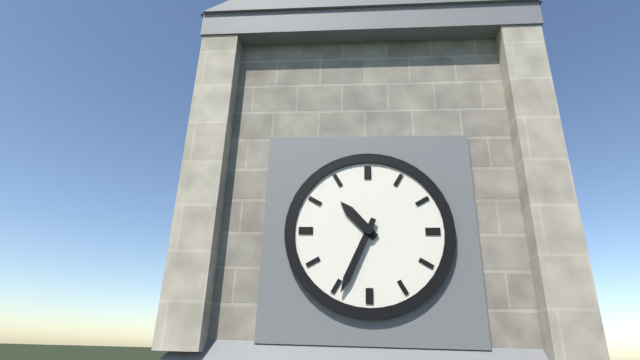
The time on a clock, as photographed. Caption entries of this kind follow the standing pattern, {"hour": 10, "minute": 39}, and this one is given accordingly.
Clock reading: {"hour": 10, "minute": 34}
